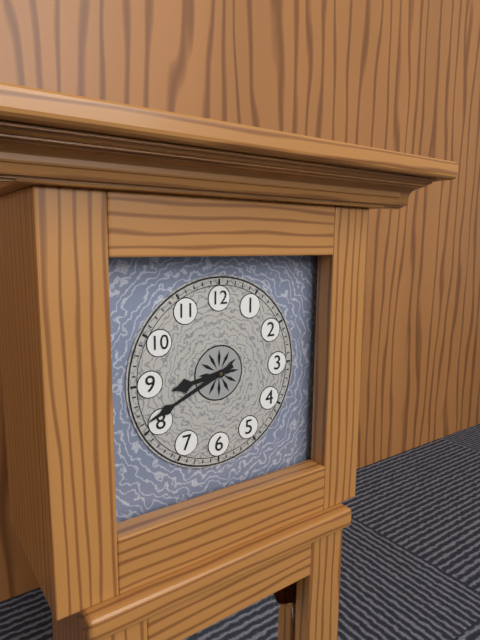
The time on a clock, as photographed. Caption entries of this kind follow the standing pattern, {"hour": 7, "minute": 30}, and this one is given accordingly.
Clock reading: {"hour": 8, "minute": 41}
